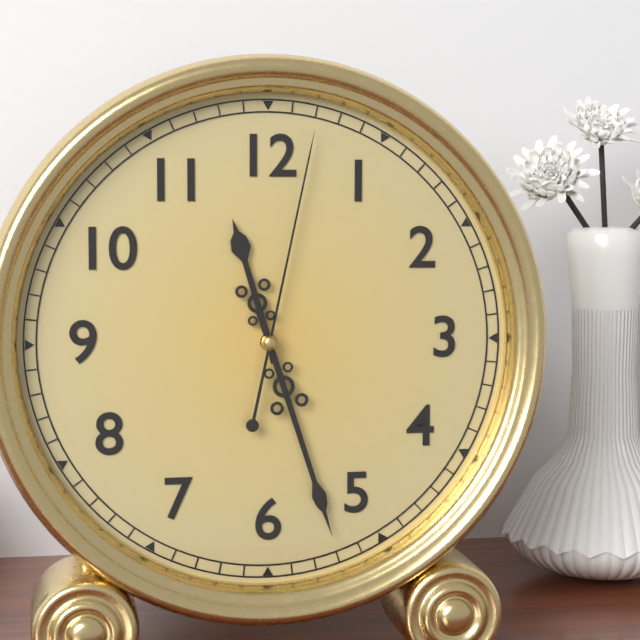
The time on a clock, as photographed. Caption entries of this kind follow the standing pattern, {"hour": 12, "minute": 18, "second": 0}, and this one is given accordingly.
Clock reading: {"hour": 11, "minute": 27, "second": 2}
